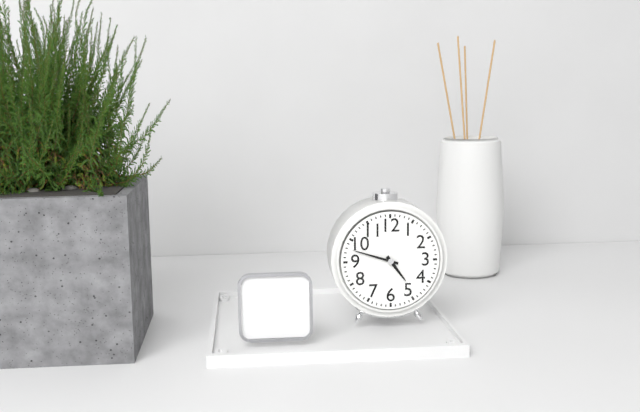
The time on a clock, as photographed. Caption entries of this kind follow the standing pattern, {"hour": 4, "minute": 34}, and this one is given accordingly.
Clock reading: {"hour": 4, "minute": 48}
